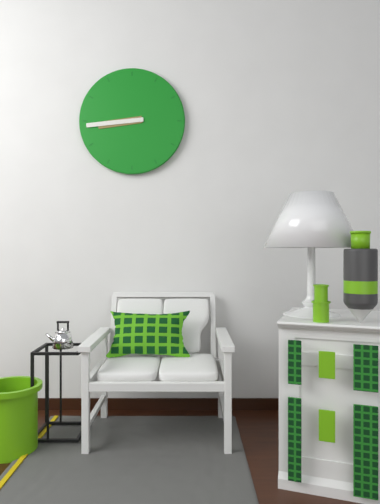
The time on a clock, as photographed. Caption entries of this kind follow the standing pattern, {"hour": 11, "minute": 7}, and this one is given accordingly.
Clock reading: {"hour": 8, "minute": 44}
